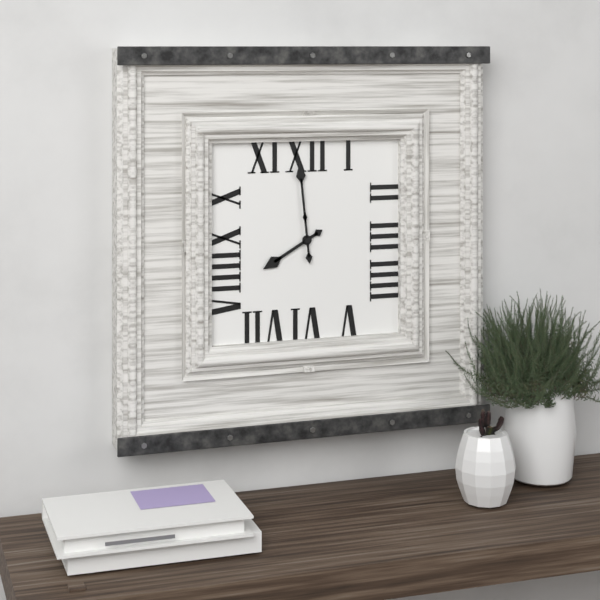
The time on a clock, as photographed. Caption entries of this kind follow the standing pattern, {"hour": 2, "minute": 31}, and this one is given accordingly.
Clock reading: {"hour": 7, "minute": 59}
